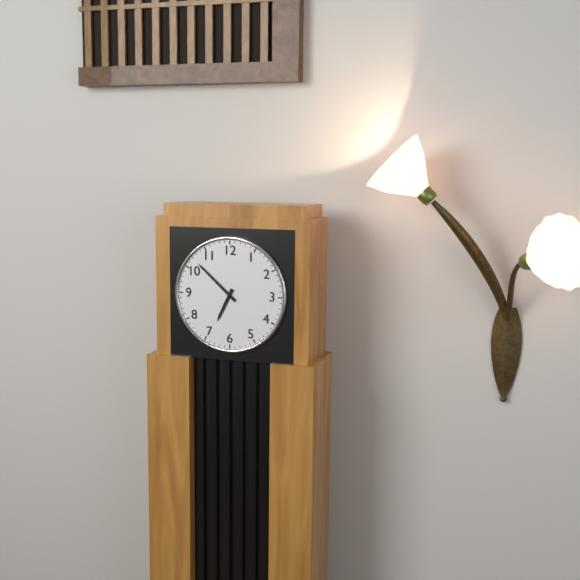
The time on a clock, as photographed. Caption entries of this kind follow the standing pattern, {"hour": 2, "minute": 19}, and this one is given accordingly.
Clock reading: {"hour": 6, "minute": 52}
